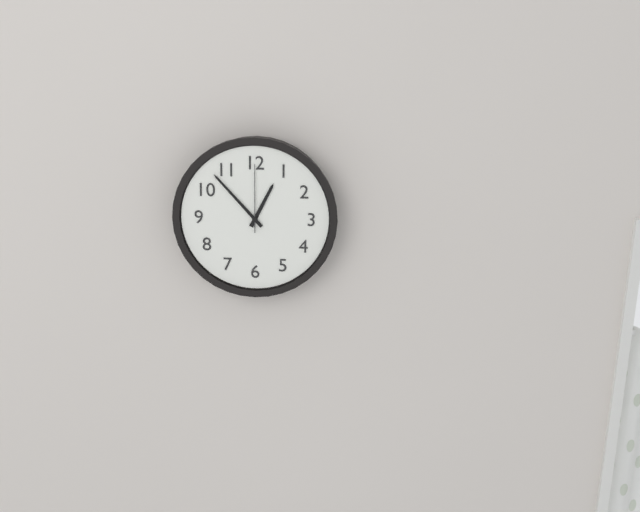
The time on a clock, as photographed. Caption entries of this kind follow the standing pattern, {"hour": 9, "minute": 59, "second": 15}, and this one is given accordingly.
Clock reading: {"hour": 12, "minute": 53, "second": 0}
